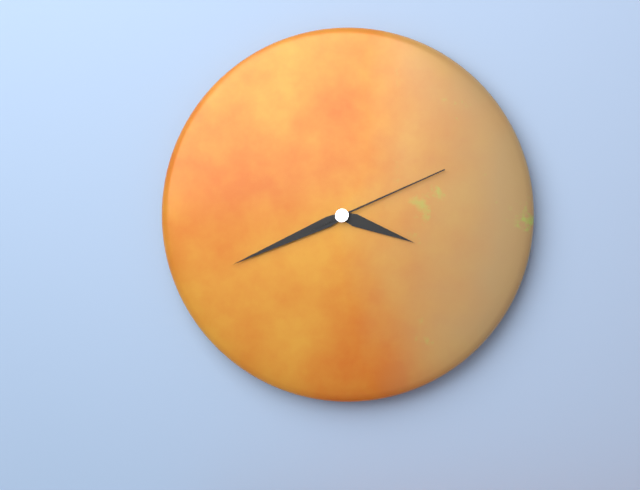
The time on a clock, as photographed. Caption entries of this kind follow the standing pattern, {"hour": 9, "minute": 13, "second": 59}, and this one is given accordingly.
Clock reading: {"hour": 3, "minute": 41, "second": 11}
